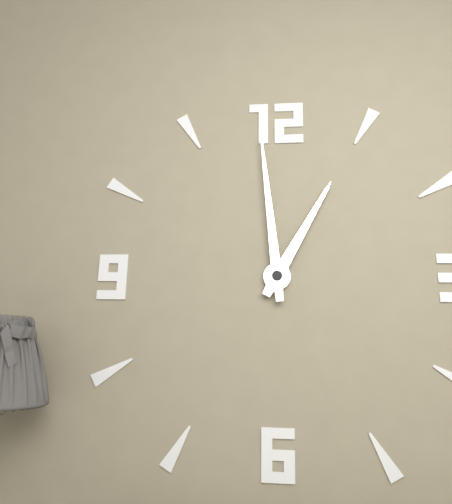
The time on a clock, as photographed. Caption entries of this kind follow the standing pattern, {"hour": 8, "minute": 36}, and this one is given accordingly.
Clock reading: {"hour": 12, "minute": 59}
